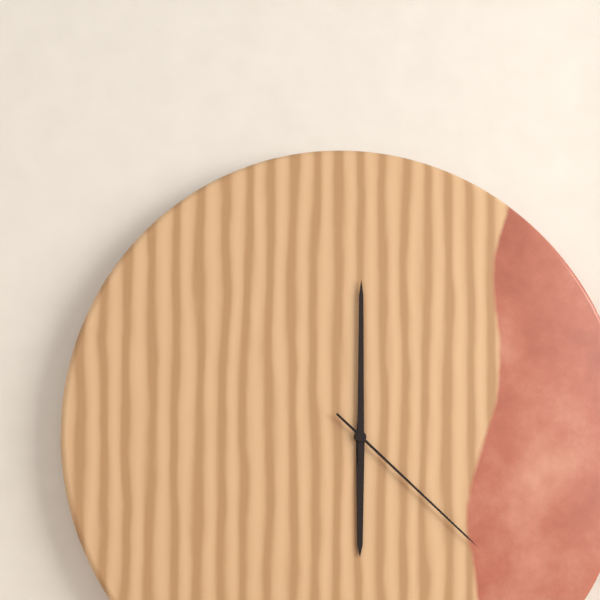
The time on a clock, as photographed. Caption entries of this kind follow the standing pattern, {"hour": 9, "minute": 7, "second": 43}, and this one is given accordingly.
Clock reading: {"hour": 6, "minute": 0, "second": 22}
